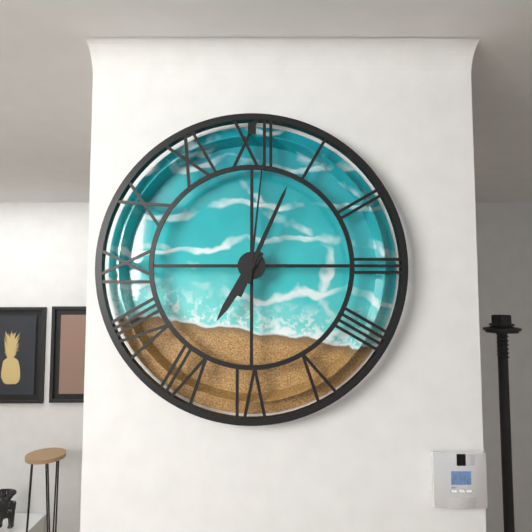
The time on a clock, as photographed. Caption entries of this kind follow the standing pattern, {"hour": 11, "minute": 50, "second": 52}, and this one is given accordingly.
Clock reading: {"hour": 7, "minute": 4, "second": 1}
